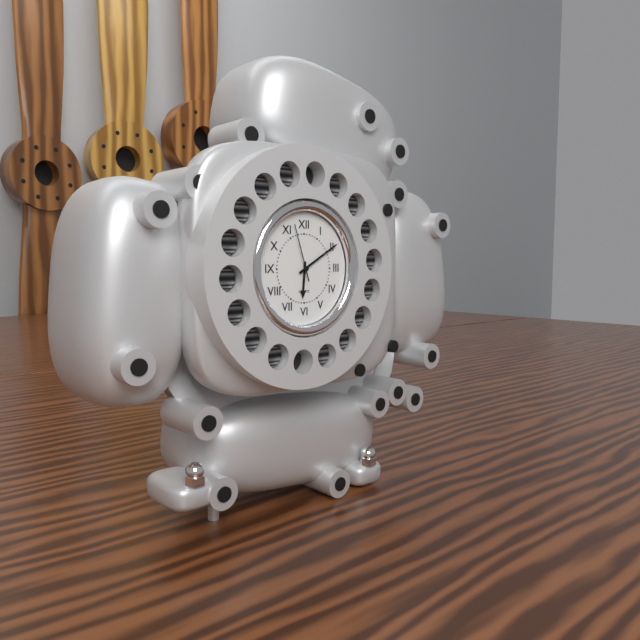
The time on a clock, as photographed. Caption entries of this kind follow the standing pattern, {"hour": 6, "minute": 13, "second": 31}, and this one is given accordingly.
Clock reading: {"hour": 6, "minute": 10, "second": 57}
